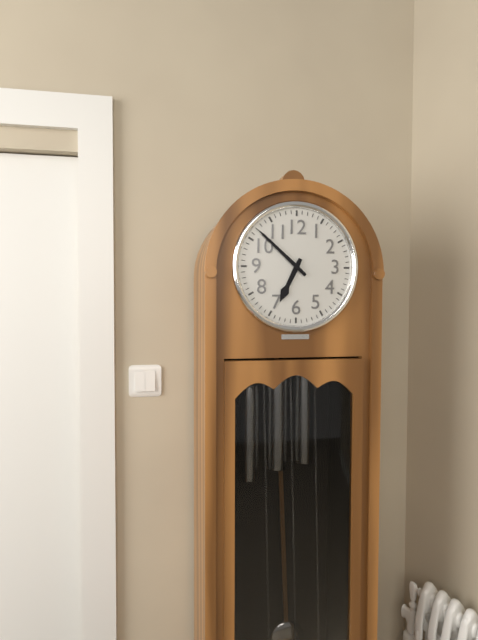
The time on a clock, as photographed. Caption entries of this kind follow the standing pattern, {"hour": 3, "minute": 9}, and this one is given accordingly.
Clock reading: {"hour": 6, "minute": 52}
